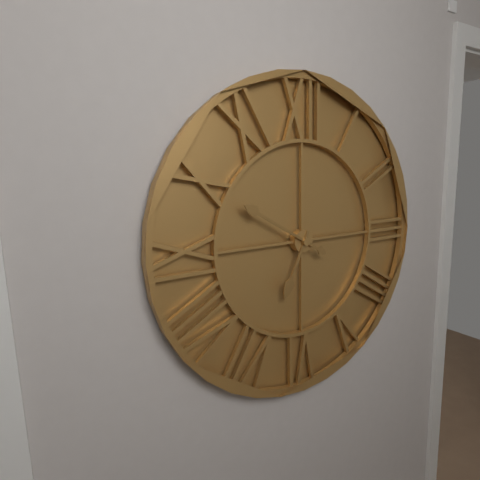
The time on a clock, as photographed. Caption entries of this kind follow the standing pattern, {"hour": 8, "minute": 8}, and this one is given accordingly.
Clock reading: {"hour": 6, "minute": 50}
